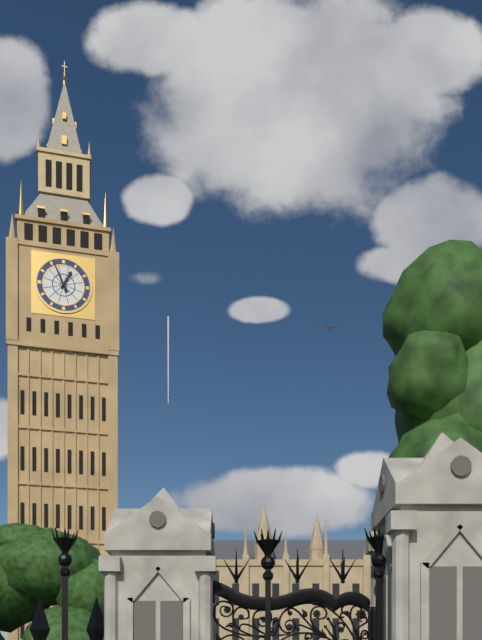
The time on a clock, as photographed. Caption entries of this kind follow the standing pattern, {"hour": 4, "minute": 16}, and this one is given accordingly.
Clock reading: {"hour": 12, "minute": 56}
